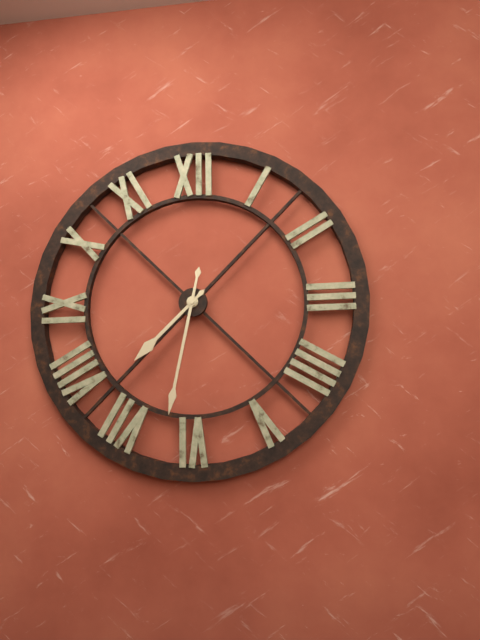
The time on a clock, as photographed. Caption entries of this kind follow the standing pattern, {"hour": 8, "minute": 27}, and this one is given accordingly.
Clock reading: {"hour": 7, "minute": 32}
